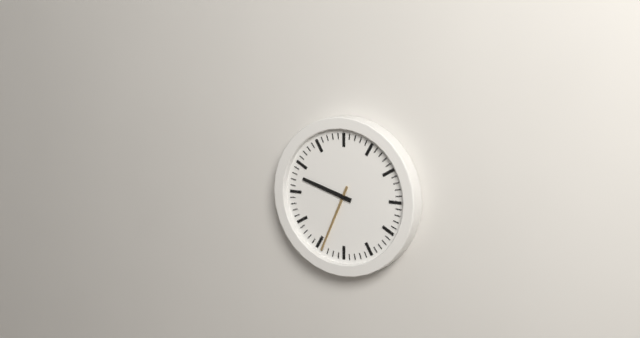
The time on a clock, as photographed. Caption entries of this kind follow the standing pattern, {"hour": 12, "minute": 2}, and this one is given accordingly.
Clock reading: {"hour": 9, "minute": 34}
